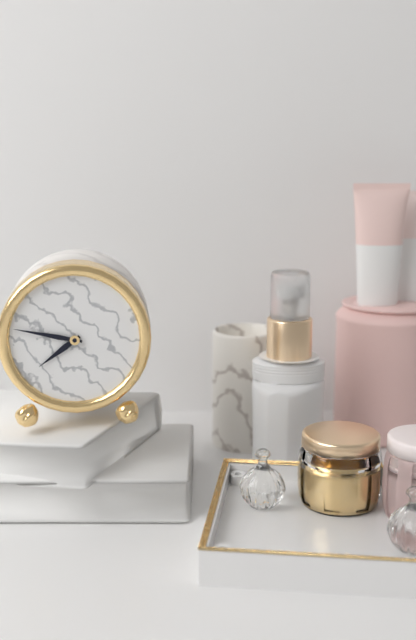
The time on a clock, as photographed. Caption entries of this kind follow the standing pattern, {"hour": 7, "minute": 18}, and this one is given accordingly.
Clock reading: {"hour": 7, "minute": 47}
